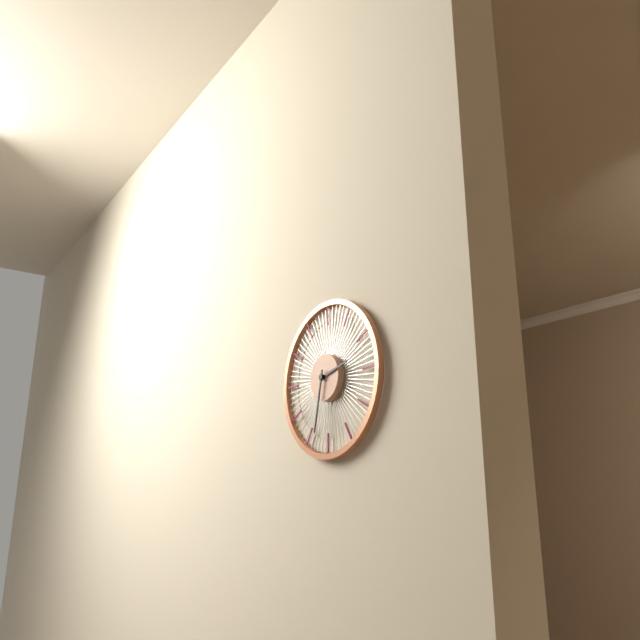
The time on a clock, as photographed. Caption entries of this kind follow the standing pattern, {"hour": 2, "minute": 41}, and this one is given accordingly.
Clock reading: {"hour": 2, "minute": 32}
